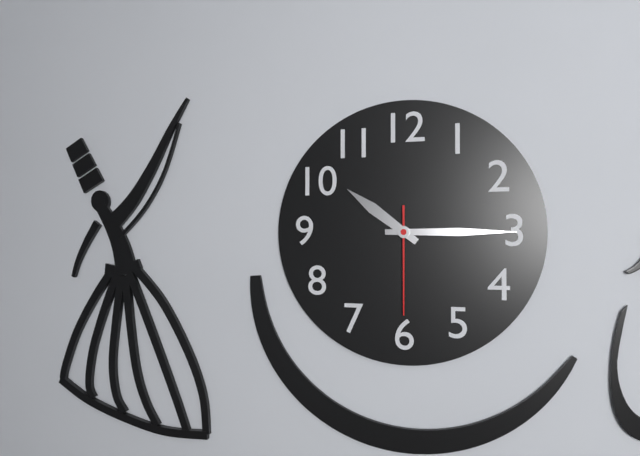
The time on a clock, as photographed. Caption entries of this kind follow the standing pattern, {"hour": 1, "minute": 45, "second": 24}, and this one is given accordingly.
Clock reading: {"hour": 10, "minute": 15, "second": 30}
